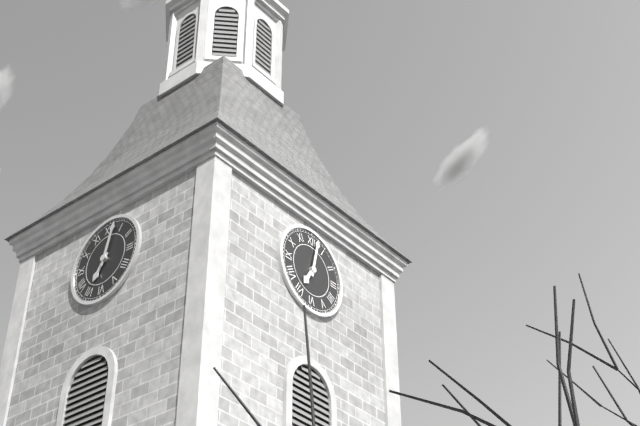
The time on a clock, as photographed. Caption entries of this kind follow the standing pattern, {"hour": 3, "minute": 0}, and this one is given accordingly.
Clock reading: {"hour": 7, "minute": 2}
